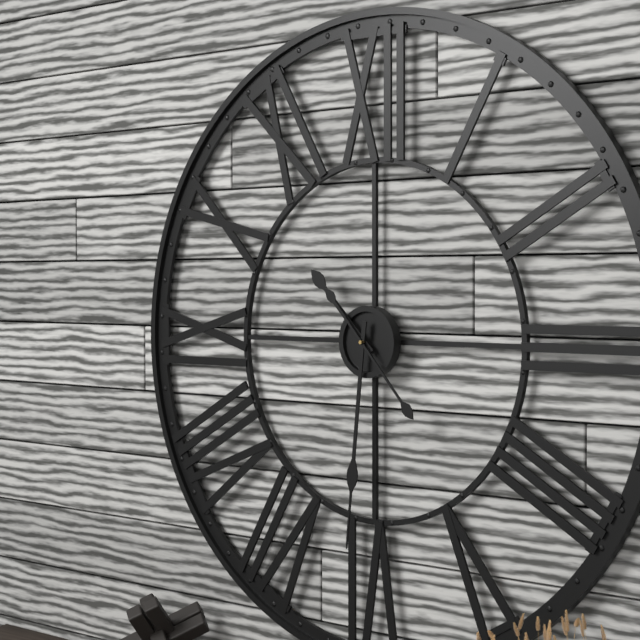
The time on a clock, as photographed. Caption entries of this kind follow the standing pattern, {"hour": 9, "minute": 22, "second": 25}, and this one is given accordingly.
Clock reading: {"hour": 10, "minute": 31, "second": 23}
